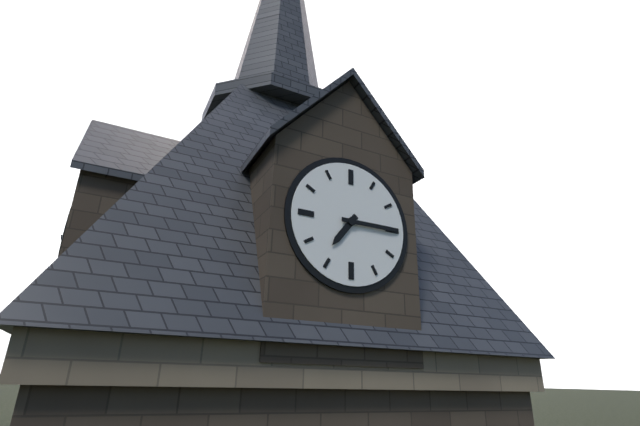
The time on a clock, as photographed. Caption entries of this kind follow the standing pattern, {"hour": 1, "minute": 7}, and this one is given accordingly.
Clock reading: {"hour": 7, "minute": 15}
